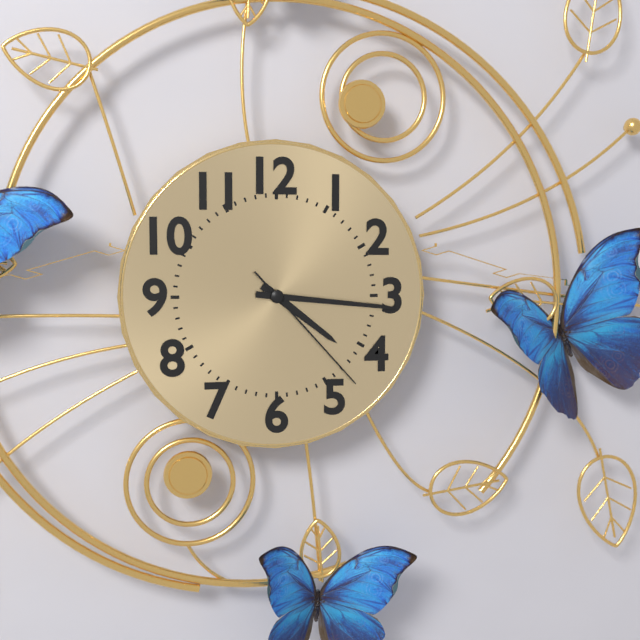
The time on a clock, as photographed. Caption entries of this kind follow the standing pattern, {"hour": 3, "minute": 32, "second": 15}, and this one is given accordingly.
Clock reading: {"hour": 4, "minute": 16, "second": 23}
